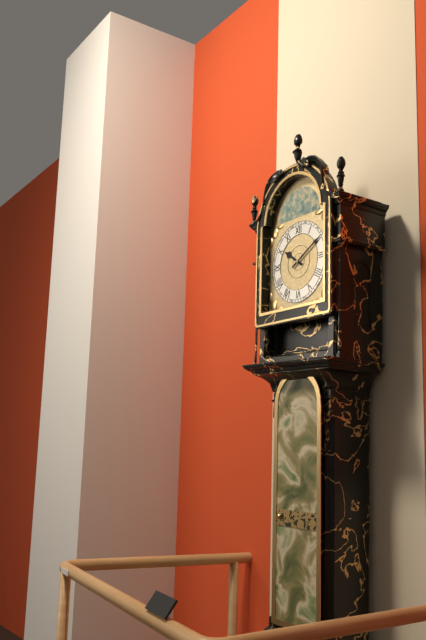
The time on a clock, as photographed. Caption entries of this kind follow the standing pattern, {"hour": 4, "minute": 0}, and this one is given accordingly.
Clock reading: {"hour": 10, "minute": 10}
